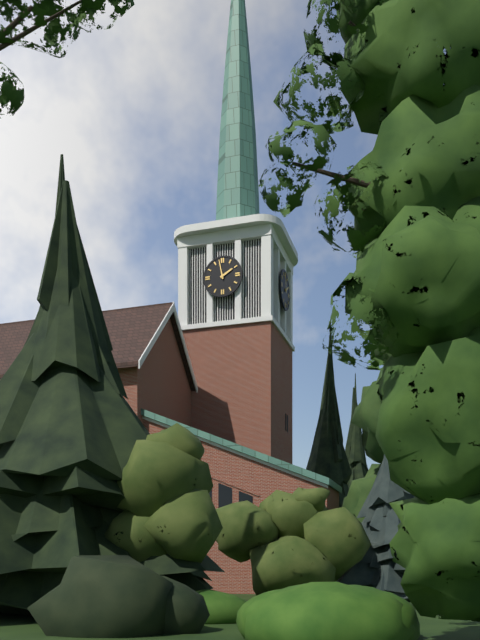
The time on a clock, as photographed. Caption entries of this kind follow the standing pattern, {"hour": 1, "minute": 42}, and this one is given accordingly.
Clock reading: {"hour": 1, "minute": 58}
